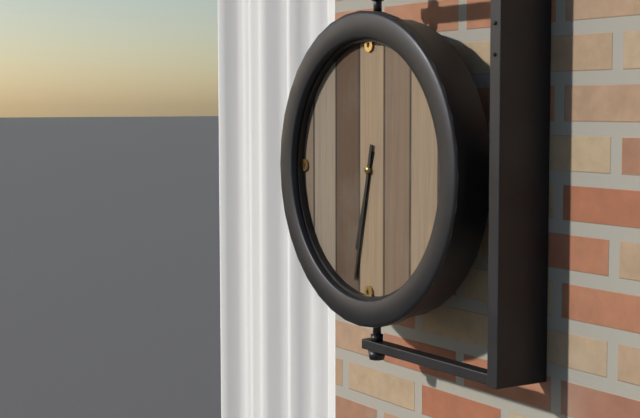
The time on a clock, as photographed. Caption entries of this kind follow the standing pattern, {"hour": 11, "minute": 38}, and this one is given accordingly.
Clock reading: {"hour": 6, "minute": 32}
